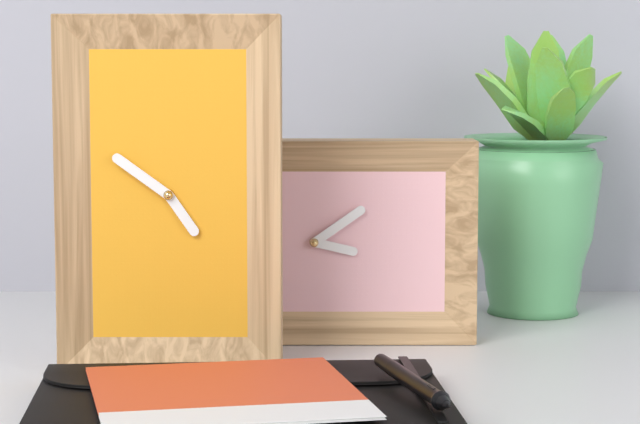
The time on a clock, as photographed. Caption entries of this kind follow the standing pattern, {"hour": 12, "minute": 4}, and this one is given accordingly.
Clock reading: {"hour": 4, "minute": 51}
